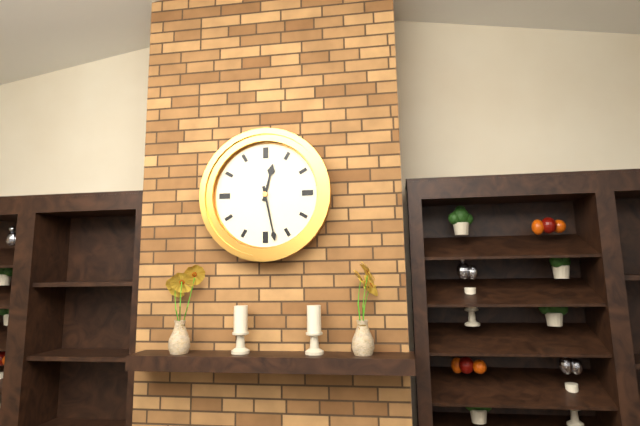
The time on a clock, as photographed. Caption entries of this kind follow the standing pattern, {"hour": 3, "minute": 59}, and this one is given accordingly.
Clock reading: {"hour": 12, "minute": 28}
